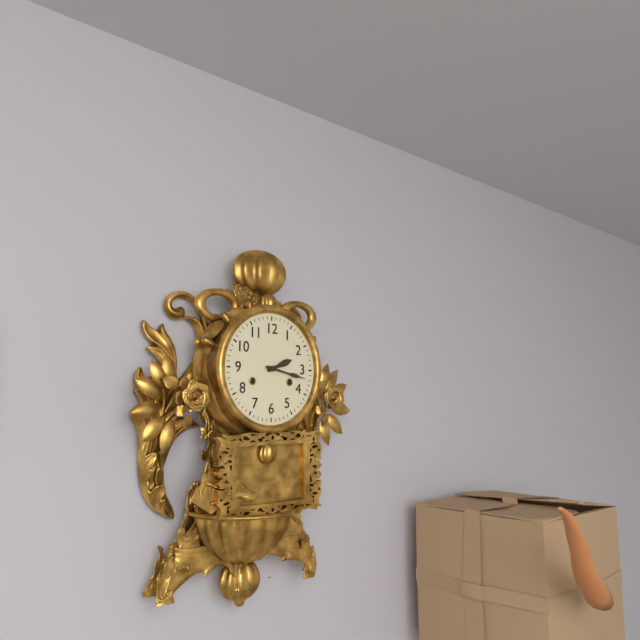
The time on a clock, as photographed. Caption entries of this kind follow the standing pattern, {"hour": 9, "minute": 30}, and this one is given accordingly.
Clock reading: {"hour": 2, "minute": 17}
